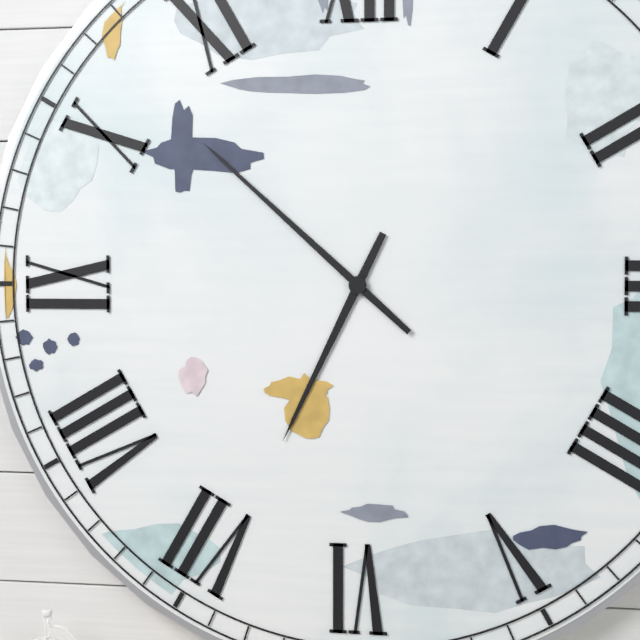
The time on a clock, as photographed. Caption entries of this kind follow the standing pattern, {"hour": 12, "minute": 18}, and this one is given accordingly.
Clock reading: {"hour": 6, "minute": 52}
